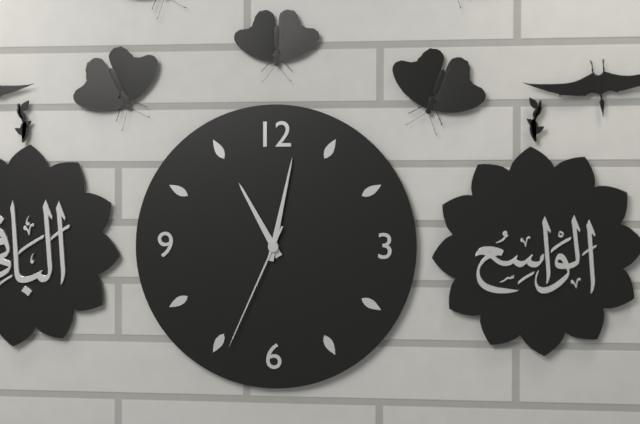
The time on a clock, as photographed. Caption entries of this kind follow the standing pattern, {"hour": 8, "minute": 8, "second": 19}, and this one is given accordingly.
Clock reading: {"hour": 11, "minute": 2, "second": 34}
